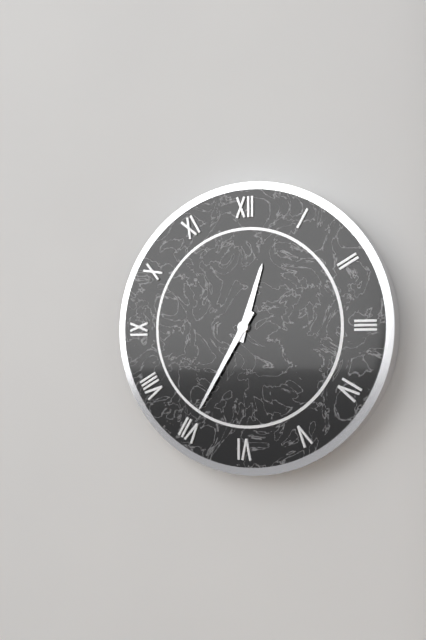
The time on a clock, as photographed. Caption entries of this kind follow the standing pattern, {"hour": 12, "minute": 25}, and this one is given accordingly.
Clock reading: {"hour": 12, "minute": 35}
